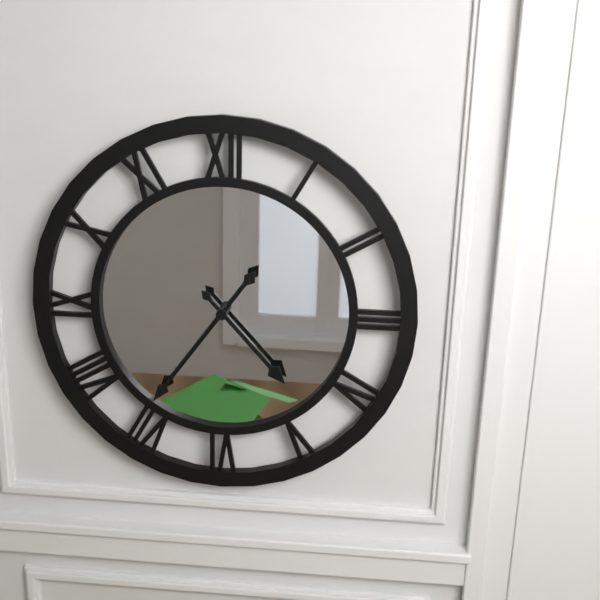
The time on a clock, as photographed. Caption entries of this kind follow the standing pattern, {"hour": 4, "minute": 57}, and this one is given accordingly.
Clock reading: {"hour": 4, "minute": 36}
